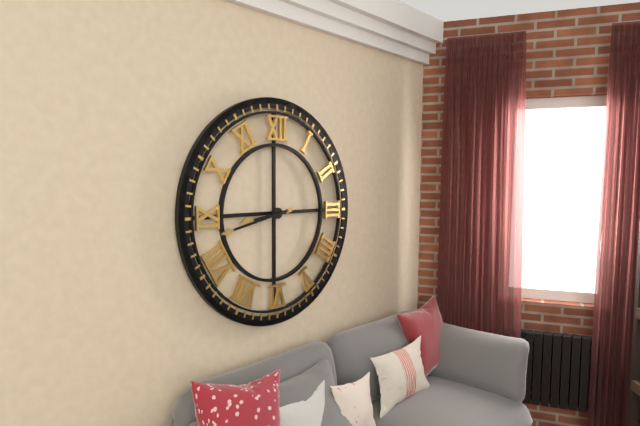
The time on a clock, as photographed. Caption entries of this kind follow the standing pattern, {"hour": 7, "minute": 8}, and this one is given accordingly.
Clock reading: {"hour": 8, "minute": 43}
